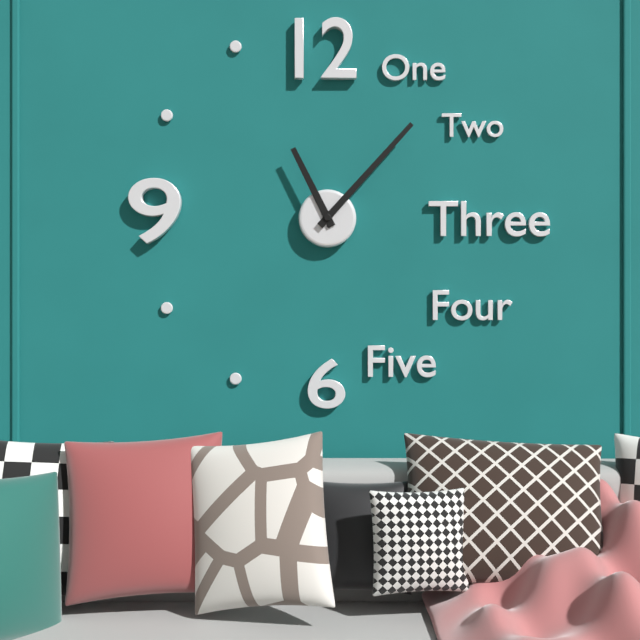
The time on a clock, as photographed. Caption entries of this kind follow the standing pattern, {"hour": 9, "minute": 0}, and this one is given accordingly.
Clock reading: {"hour": 11, "minute": 7}
